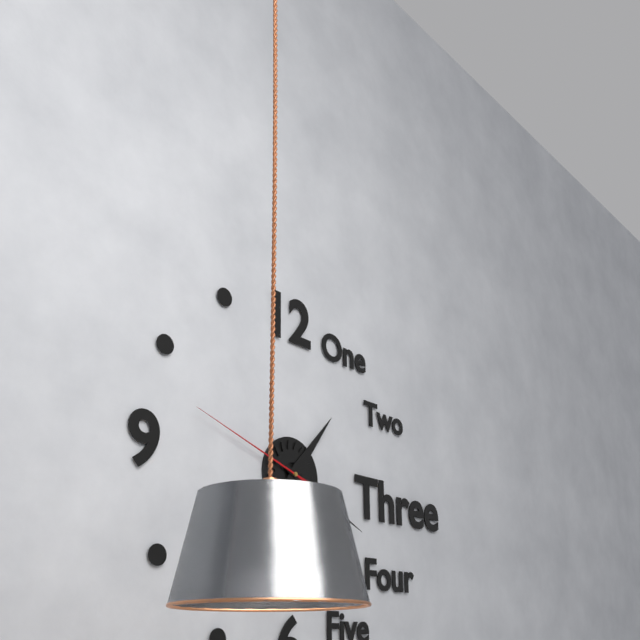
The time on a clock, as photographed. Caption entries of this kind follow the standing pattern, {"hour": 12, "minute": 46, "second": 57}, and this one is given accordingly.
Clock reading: {"hour": 1, "minute": 19, "second": 48}
